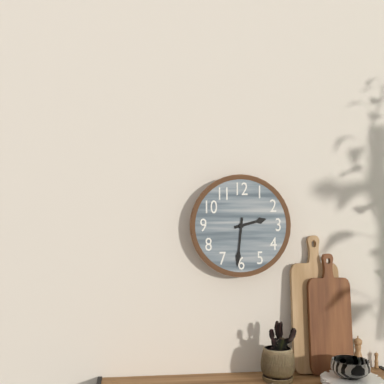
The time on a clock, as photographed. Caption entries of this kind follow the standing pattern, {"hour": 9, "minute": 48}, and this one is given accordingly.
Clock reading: {"hour": 2, "minute": 31}
